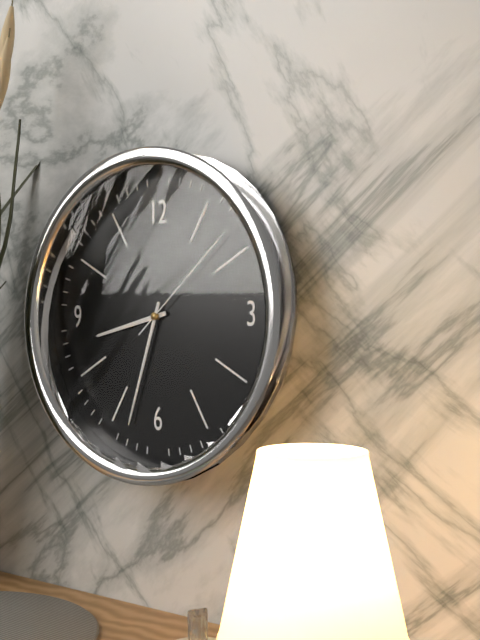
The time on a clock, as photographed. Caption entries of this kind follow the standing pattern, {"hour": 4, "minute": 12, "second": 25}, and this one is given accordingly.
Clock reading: {"hour": 8, "minute": 33, "second": 8}
